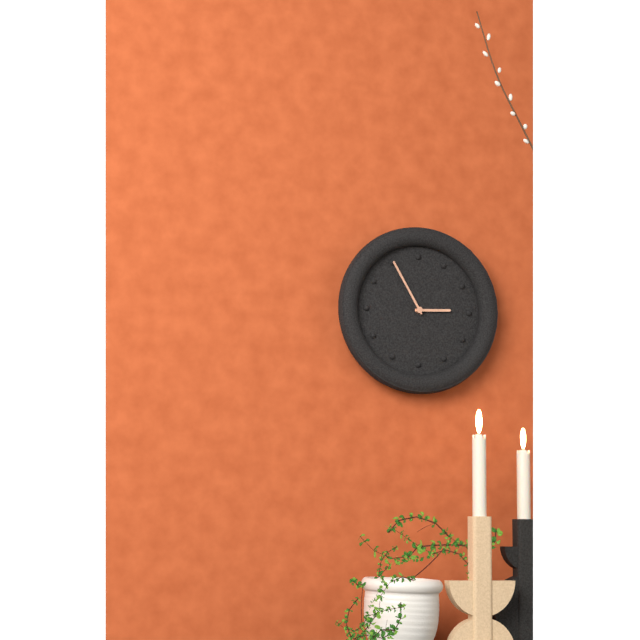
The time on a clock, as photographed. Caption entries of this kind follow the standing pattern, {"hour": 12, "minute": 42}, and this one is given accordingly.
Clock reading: {"hour": 2, "minute": 55}
